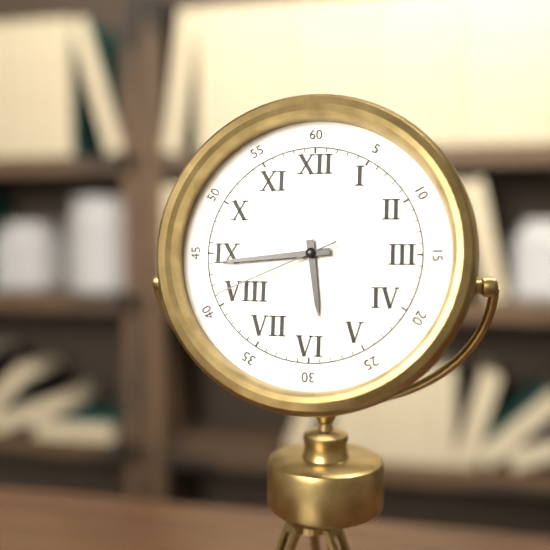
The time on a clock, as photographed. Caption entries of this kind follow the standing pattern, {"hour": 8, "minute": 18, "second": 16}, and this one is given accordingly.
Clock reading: {"hour": 5, "minute": 44, "second": 41}
